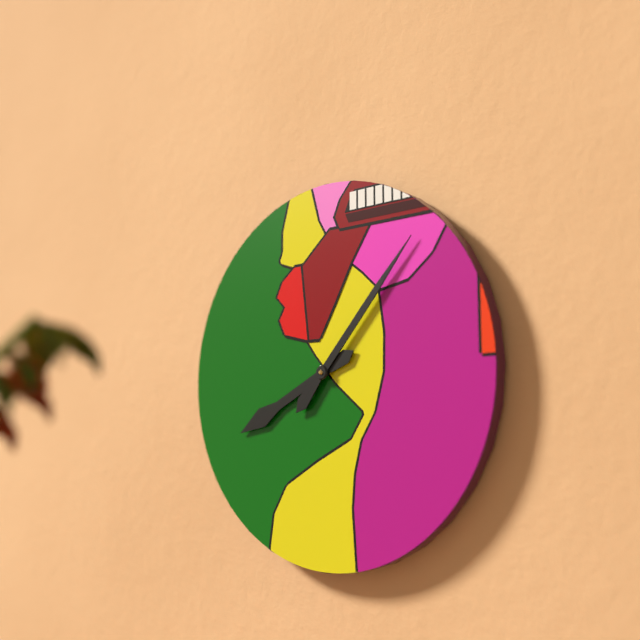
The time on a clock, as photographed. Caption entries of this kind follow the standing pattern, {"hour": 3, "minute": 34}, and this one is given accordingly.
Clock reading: {"hour": 8, "minute": 7}
